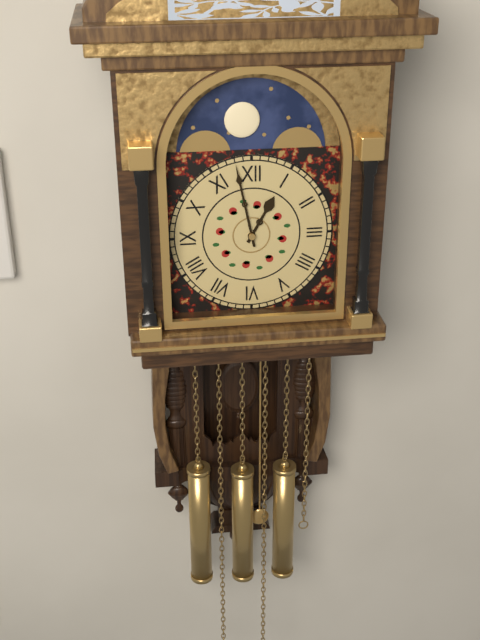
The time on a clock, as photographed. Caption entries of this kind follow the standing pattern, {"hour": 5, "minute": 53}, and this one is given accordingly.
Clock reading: {"hour": 12, "minute": 58}
